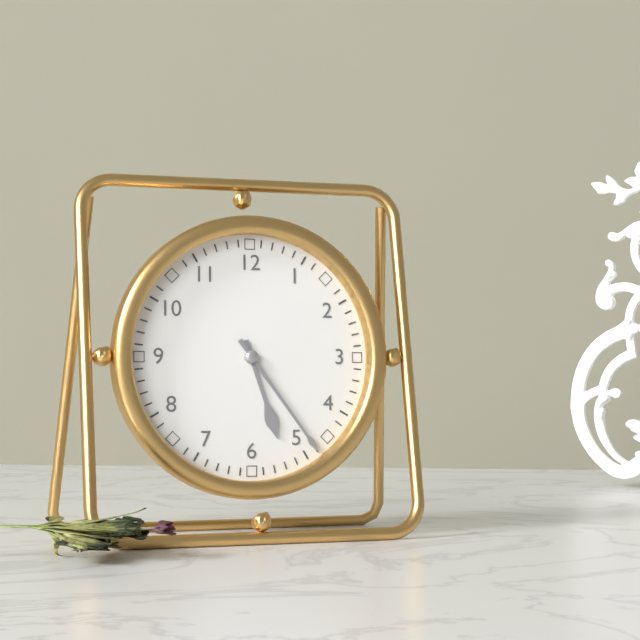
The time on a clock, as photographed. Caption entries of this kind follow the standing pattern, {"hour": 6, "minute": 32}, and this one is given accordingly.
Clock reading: {"hour": 5, "minute": 24}
